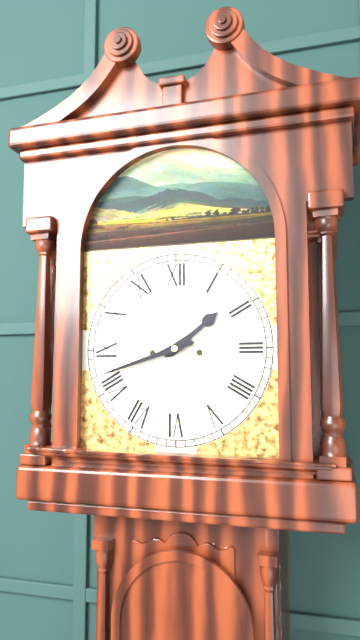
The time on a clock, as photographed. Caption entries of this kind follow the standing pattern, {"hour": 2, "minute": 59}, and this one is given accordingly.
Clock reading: {"hour": 1, "minute": 42}
